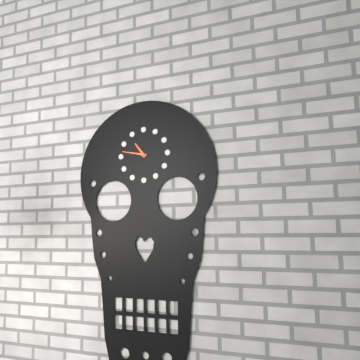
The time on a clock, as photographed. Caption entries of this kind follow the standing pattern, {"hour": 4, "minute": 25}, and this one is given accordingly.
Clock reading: {"hour": 10, "minute": 47}
